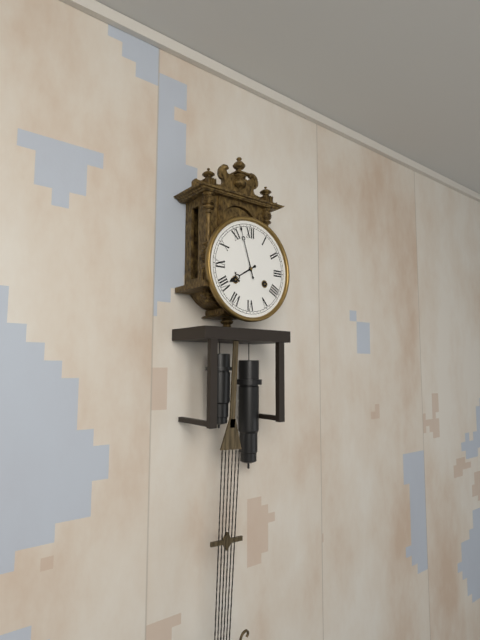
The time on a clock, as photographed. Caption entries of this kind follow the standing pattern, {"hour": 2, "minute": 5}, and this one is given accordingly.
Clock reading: {"hour": 7, "minute": 57}
